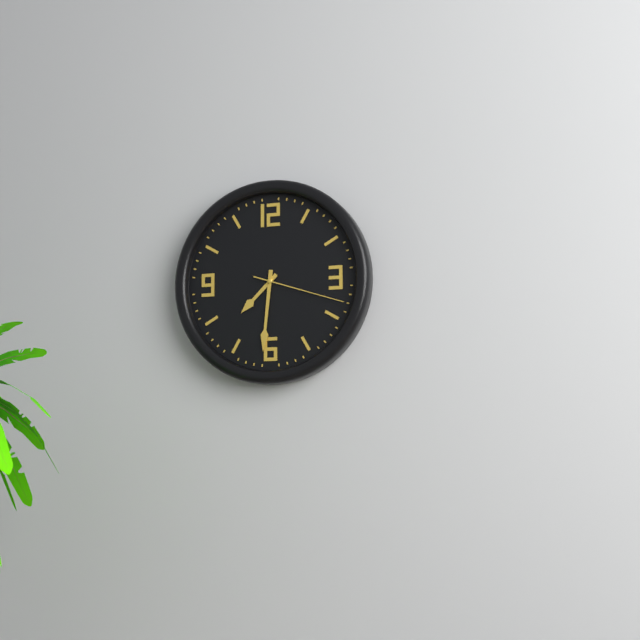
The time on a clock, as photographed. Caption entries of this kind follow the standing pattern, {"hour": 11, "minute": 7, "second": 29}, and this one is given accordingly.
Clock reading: {"hour": 7, "minute": 31, "second": 18}
